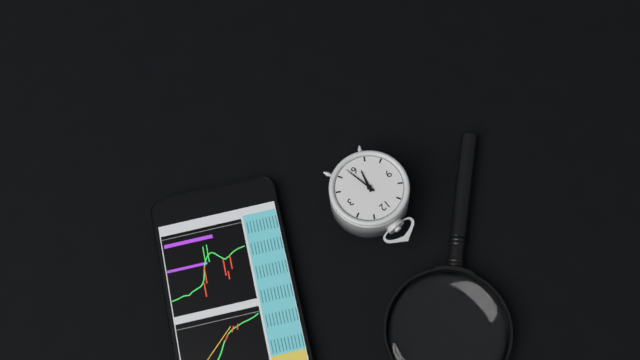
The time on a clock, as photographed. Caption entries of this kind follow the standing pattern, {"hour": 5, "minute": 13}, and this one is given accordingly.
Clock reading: {"hour": 6, "minute": 28}
